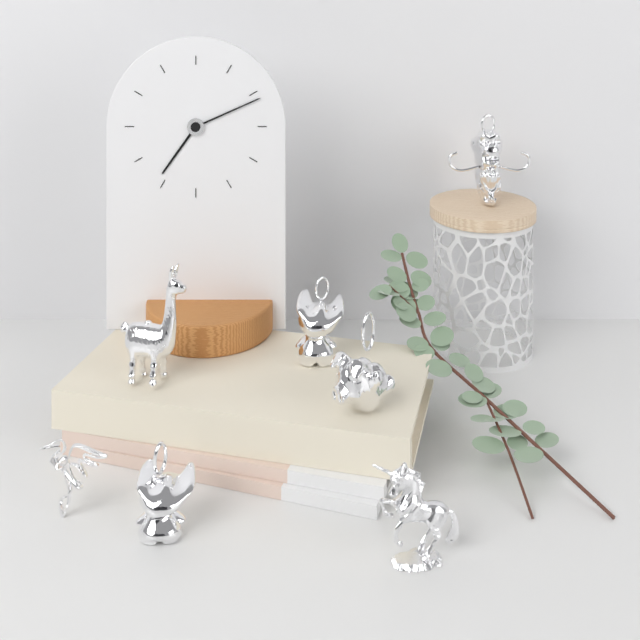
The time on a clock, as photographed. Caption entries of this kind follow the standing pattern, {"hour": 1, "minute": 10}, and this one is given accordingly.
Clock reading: {"hour": 7, "minute": 11}
